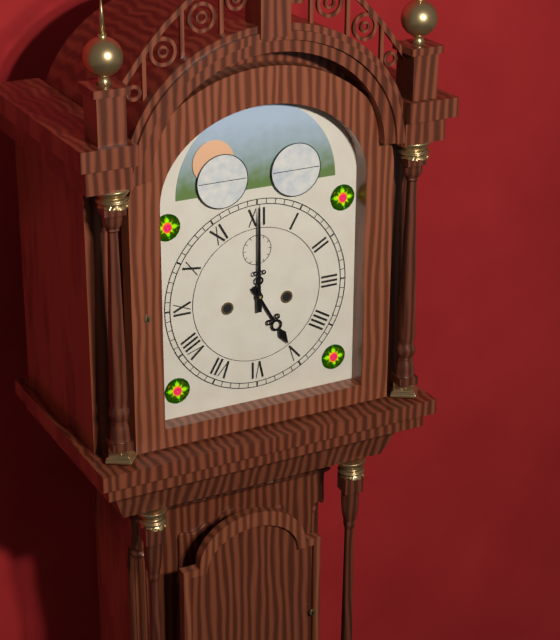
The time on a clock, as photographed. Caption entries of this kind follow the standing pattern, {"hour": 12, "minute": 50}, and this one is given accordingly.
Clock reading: {"hour": 5, "minute": 0}
